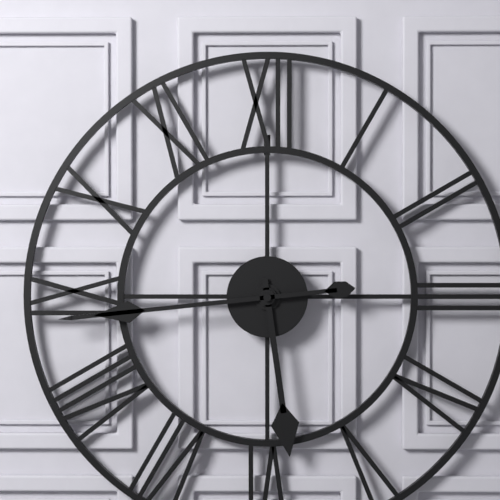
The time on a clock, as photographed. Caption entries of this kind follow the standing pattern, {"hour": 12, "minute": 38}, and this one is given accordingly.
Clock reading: {"hour": 5, "minute": 44}
